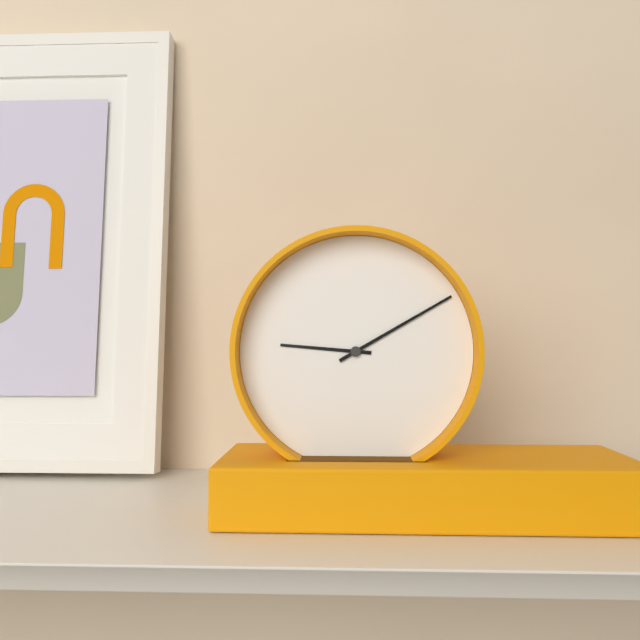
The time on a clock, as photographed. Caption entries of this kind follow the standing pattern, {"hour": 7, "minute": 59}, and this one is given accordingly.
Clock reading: {"hour": 9, "minute": 10}
